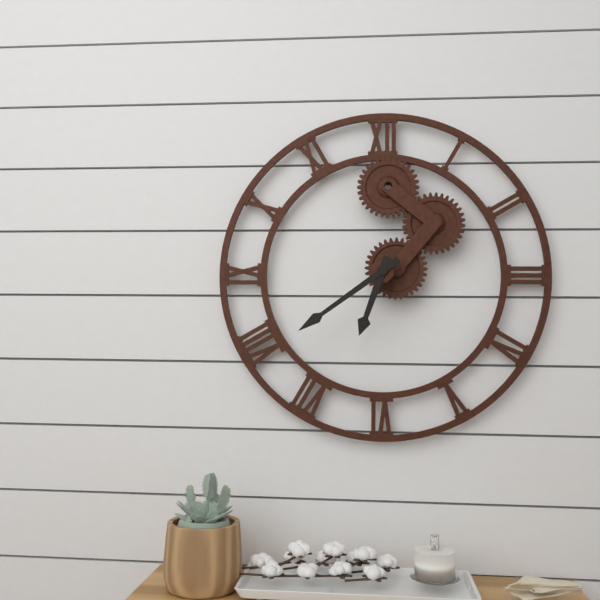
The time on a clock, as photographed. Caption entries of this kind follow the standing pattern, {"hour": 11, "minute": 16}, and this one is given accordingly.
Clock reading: {"hour": 6, "minute": 39}
